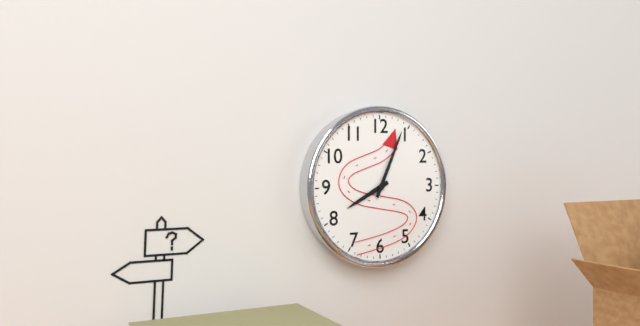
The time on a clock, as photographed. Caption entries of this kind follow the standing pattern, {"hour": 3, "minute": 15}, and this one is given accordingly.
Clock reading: {"hour": 8, "minute": 4}
